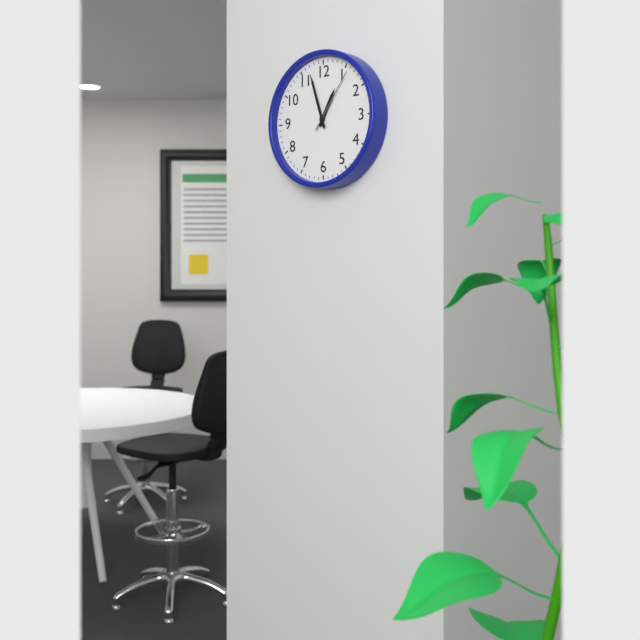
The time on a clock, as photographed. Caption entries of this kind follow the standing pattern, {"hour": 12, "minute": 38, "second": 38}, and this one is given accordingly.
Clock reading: {"hour": 12, "minute": 57, "second": 6}
